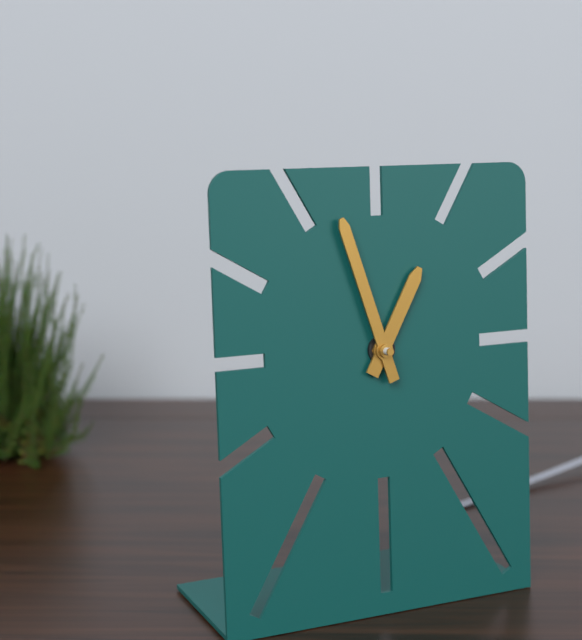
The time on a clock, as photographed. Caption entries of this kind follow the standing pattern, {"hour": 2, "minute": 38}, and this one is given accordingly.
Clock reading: {"hour": 12, "minute": 57}
